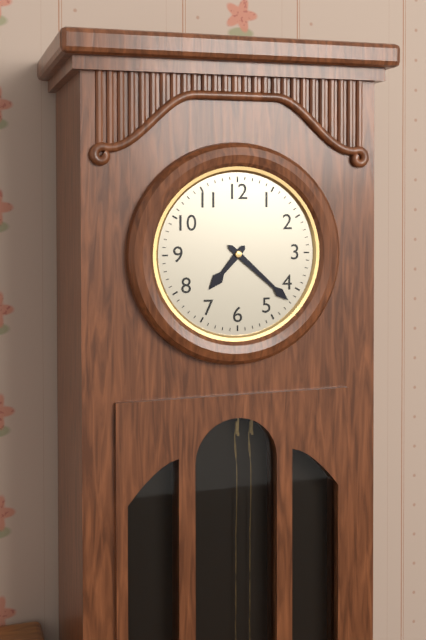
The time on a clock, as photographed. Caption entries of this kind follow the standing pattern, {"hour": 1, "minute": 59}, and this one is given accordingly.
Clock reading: {"hour": 7, "minute": 22}
